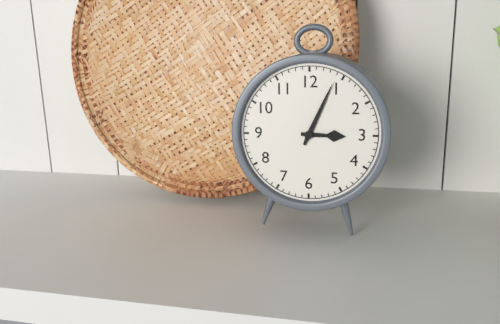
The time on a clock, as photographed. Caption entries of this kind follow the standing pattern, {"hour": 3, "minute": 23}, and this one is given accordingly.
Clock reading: {"hour": 3, "minute": 4}
